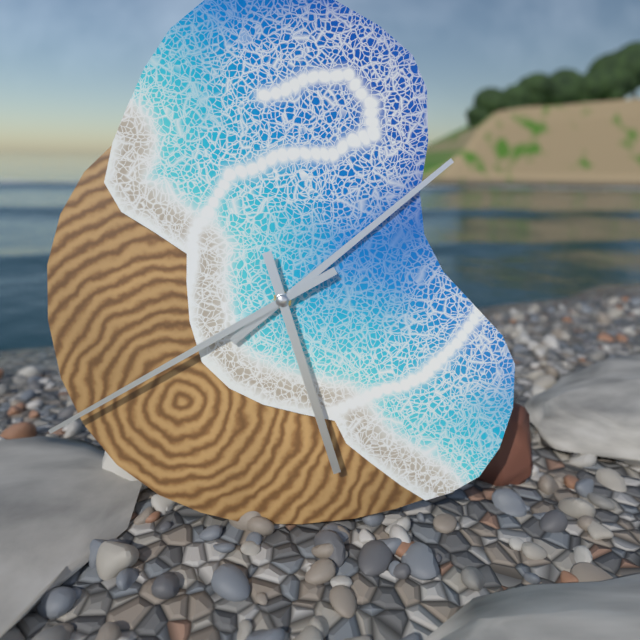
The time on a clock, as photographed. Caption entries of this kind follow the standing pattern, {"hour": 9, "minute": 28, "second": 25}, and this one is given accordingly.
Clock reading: {"hour": 1, "minute": 40, "second": 27}
